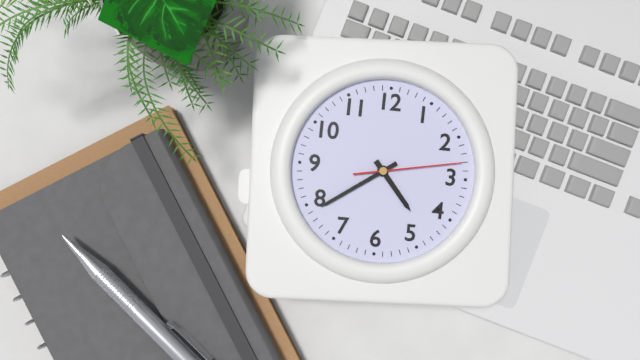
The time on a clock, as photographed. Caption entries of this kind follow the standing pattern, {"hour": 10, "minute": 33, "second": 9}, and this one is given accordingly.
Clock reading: {"hour": 4, "minute": 39, "second": 13}
